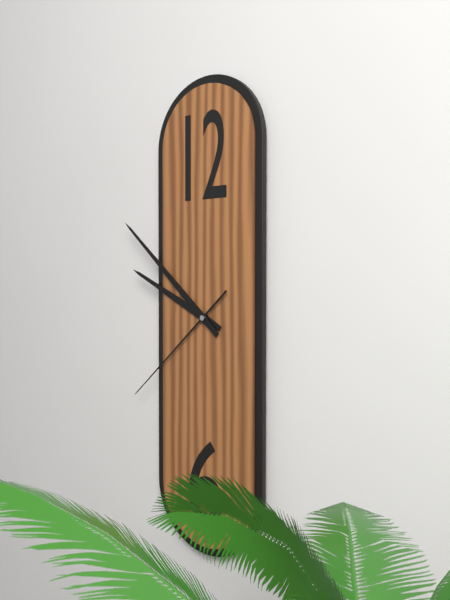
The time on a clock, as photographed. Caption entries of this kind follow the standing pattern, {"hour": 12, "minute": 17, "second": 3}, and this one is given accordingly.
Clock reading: {"hour": 9, "minute": 52, "second": 38}
